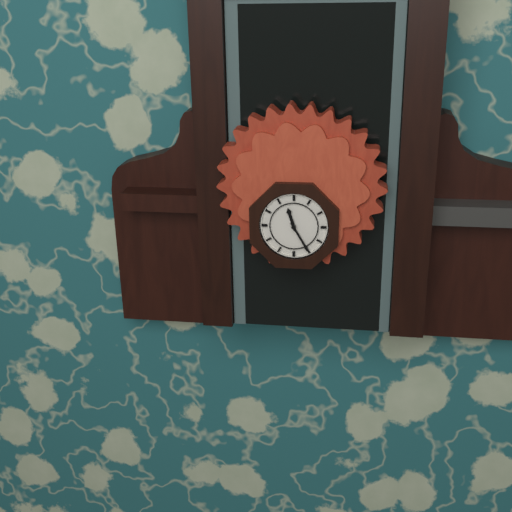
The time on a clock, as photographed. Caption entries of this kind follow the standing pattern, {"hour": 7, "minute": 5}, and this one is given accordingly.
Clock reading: {"hour": 11, "minute": 25}
